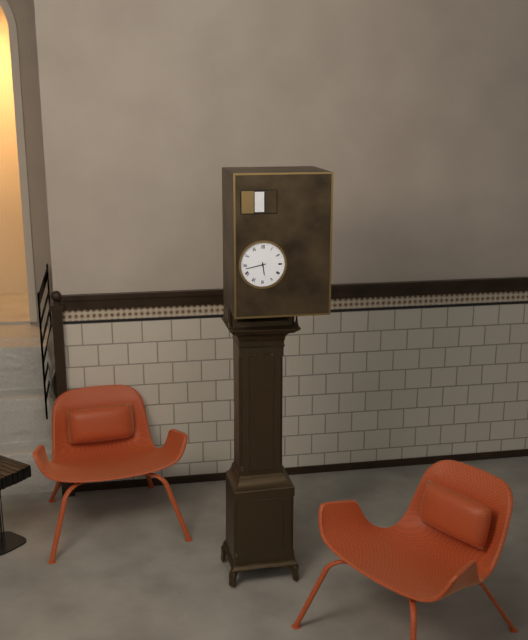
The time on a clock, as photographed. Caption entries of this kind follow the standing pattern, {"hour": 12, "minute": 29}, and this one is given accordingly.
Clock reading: {"hour": 5, "minute": 43}
